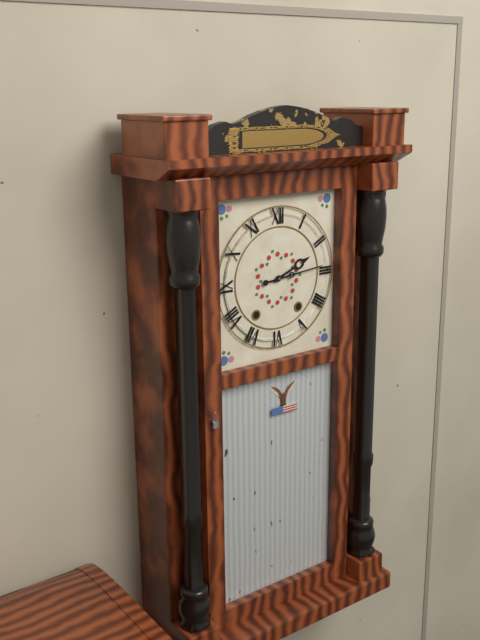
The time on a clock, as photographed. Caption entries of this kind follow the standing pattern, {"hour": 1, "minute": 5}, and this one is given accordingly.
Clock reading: {"hour": 2, "minute": 14}
